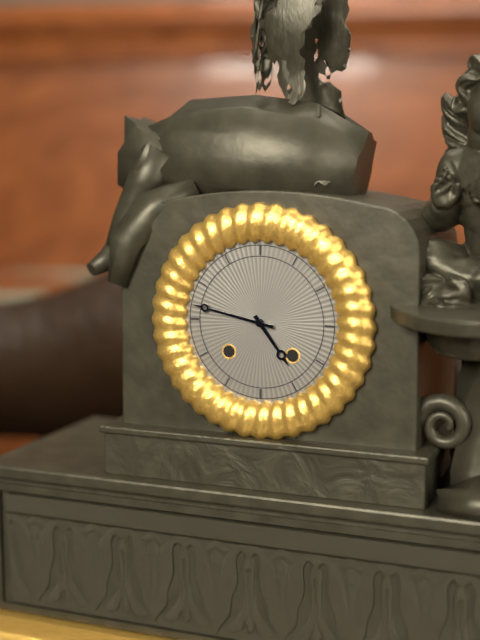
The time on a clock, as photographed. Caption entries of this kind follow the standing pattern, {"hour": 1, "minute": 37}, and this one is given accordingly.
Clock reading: {"hour": 4, "minute": 47}
